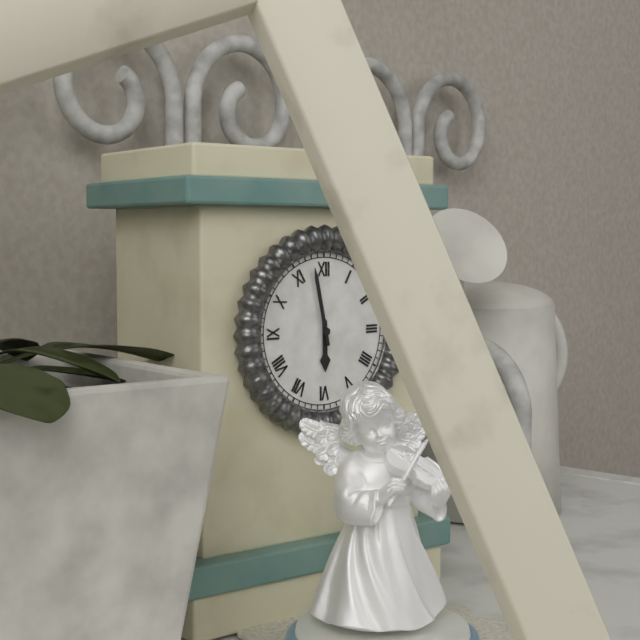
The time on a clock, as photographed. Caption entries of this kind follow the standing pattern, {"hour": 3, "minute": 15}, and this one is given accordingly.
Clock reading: {"hour": 5, "minute": 58}
